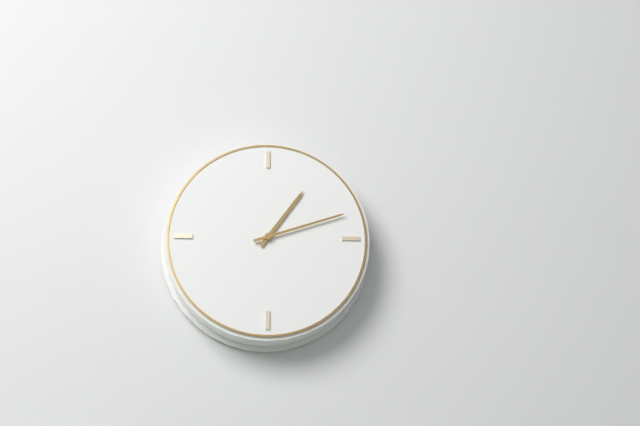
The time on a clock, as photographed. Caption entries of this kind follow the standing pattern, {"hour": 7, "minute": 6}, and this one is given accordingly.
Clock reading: {"hour": 1, "minute": 12}
